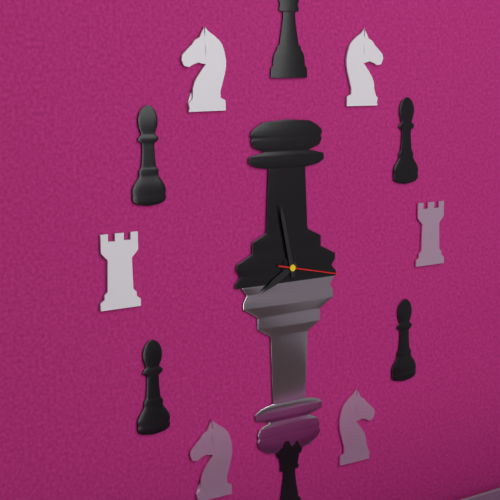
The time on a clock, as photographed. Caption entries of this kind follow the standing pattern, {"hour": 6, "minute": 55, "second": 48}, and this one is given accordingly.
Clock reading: {"hour": 7, "minute": 58, "second": 17}
